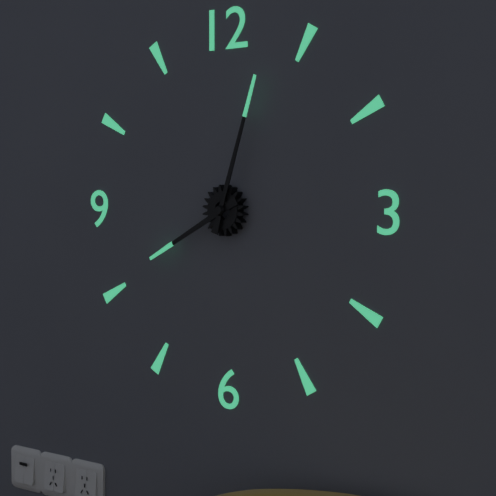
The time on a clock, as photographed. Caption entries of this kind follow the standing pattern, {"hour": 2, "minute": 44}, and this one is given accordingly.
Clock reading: {"hour": 8, "minute": 3}
